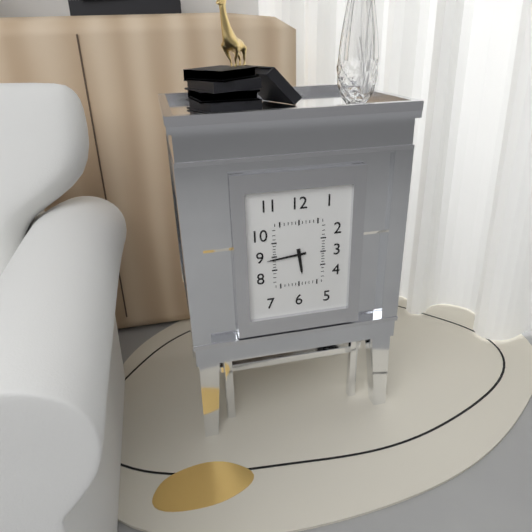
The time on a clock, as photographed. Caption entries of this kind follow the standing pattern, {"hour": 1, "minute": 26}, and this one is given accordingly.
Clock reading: {"hour": 5, "minute": 44}
